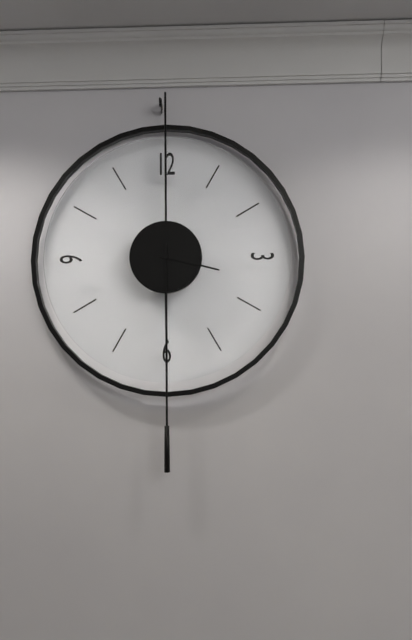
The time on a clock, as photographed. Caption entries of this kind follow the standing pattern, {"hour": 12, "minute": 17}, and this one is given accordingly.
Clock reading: {"hour": 3, "minute": 30}
